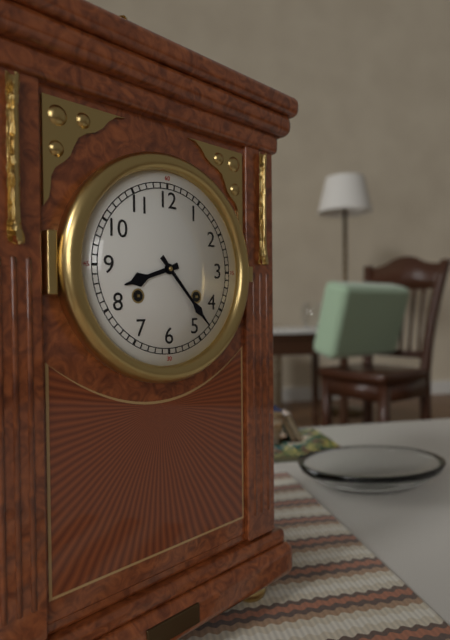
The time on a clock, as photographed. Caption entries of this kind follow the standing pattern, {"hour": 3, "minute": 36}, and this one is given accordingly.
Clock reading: {"hour": 8, "minute": 23}
